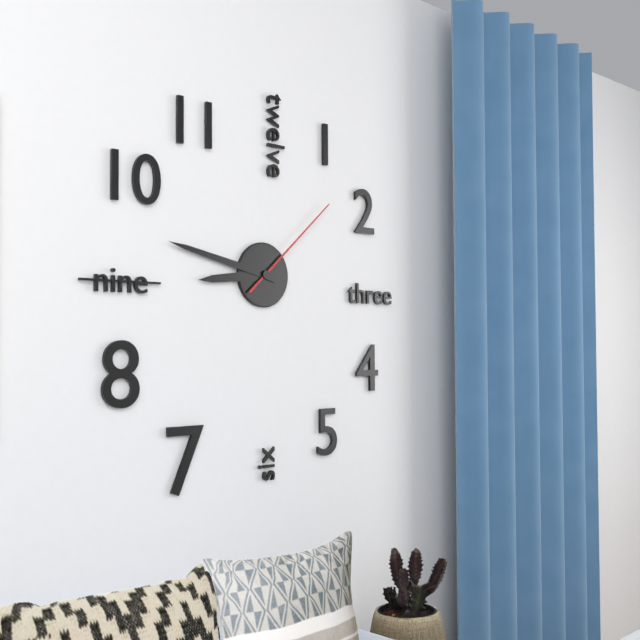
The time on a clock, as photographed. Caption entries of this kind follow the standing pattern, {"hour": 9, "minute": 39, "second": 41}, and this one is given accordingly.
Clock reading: {"hour": 8, "minute": 47, "second": 8}
